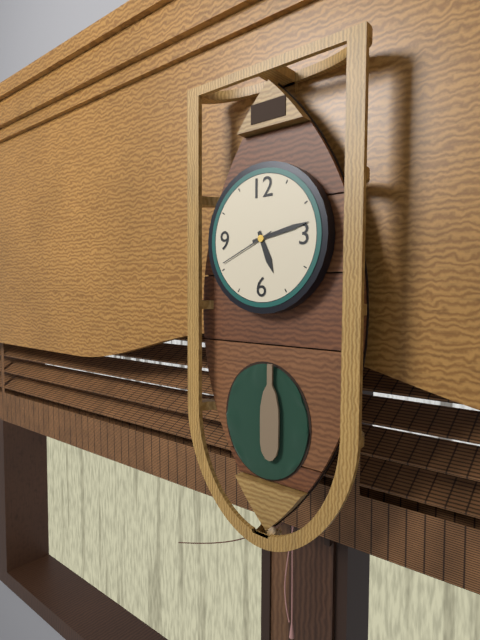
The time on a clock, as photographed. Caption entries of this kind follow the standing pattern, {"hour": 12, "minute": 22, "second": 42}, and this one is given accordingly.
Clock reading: {"hour": 5, "minute": 13, "second": 41}
